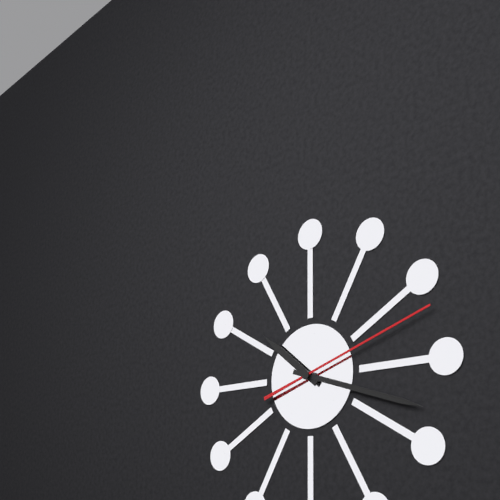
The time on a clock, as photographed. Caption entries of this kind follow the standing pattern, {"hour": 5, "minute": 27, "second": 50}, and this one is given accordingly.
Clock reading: {"hour": 10, "minute": 18, "second": 12}
